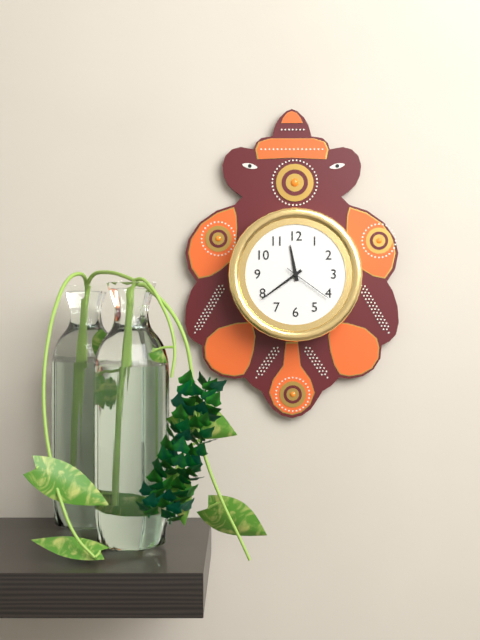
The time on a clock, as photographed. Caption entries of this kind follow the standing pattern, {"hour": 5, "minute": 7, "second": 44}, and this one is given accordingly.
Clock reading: {"hour": 11, "minute": 39, "second": 21}
